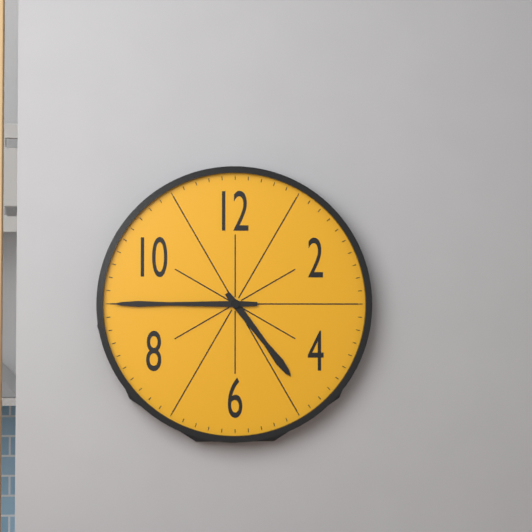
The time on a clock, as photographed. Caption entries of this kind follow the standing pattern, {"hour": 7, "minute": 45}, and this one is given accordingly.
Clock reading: {"hour": 4, "minute": 45}
